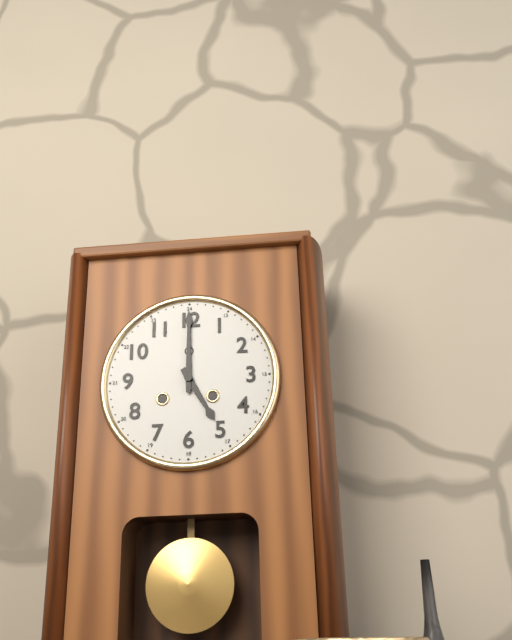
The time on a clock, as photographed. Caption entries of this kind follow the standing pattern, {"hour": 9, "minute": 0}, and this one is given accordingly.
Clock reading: {"hour": 5, "minute": 0}
